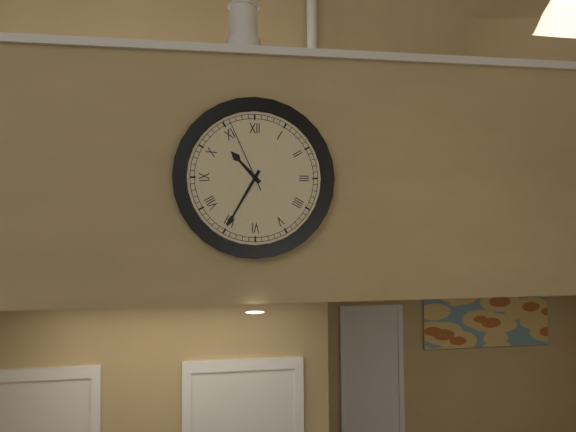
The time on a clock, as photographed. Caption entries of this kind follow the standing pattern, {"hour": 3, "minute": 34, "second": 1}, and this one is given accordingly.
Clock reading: {"hour": 10, "minute": 35, "second": 56}
